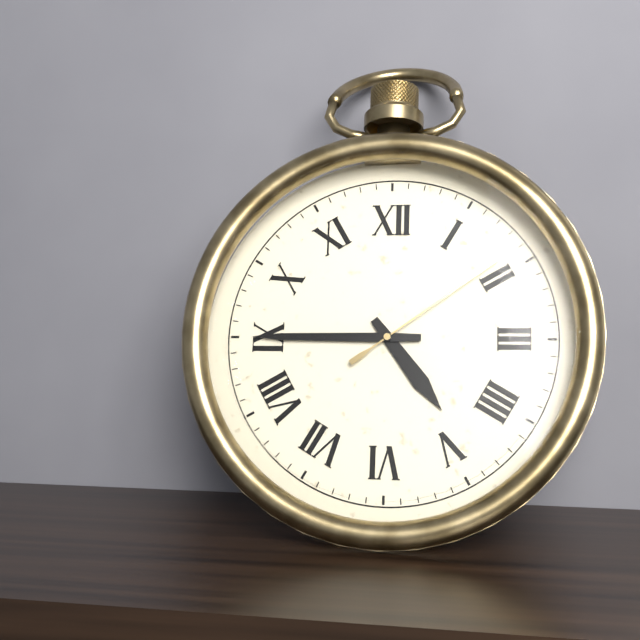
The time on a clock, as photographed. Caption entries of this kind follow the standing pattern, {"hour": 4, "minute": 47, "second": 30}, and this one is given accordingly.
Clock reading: {"hour": 4, "minute": 45, "second": 9}
